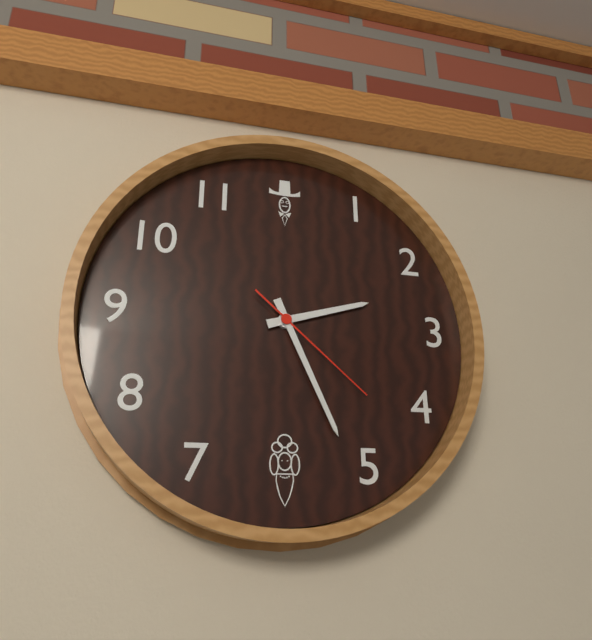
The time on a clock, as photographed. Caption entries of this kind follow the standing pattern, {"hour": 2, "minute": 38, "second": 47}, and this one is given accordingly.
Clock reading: {"hour": 2, "minute": 26, "second": 22}
